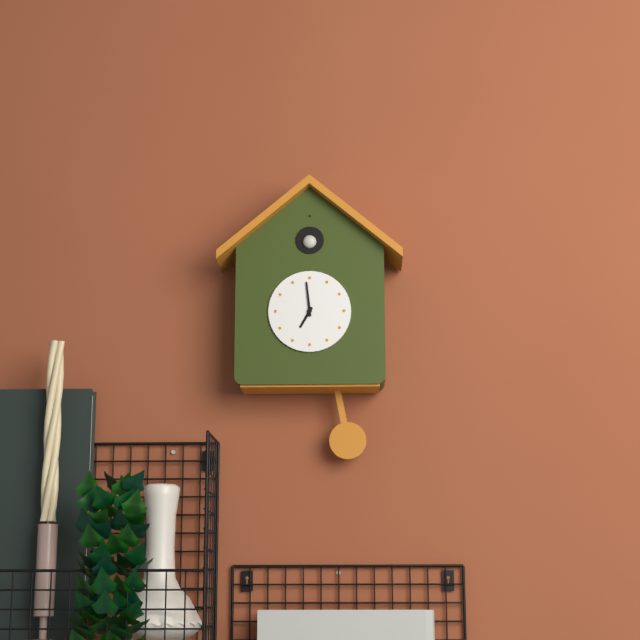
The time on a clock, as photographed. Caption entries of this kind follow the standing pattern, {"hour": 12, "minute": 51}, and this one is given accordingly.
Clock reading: {"hour": 6, "minute": 59}
